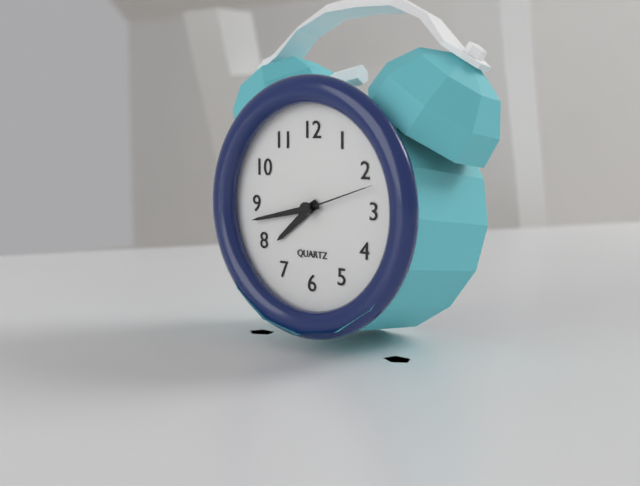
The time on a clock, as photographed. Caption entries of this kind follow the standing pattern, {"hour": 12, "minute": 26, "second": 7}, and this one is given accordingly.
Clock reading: {"hour": 7, "minute": 43, "second": 12}
